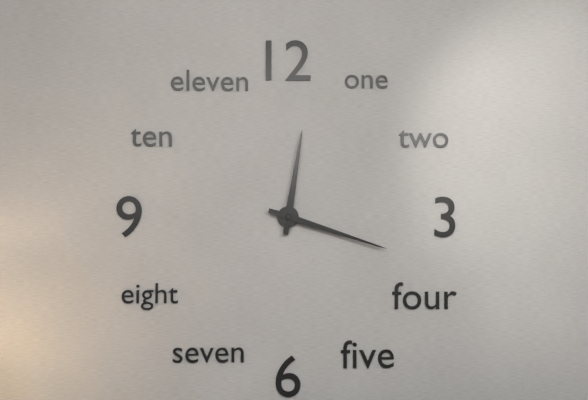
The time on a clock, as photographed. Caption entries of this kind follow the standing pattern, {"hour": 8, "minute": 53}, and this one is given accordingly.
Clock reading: {"hour": 12, "minute": 18}
